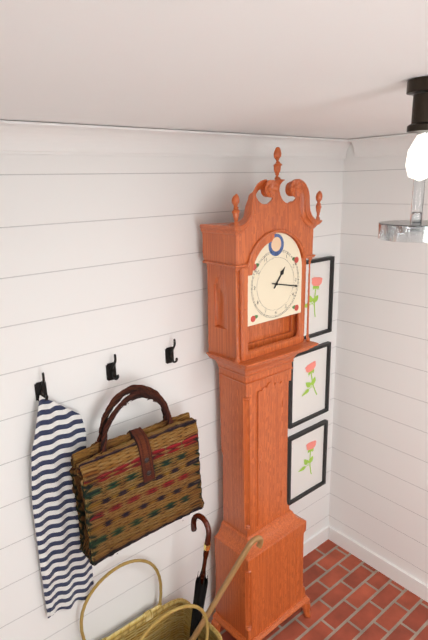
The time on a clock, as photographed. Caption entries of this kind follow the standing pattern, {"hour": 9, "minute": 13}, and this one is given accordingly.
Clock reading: {"hour": 1, "minute": 17}
